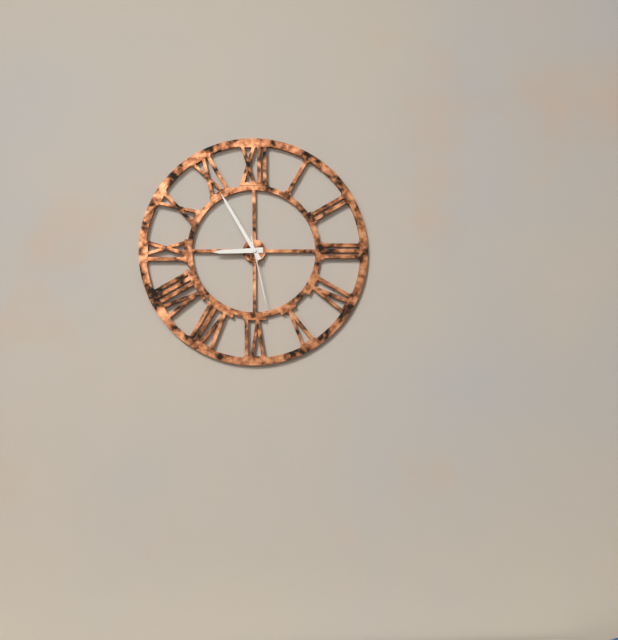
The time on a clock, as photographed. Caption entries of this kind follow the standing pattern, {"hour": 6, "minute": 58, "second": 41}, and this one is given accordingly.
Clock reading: {"hour": 8, "minute": 55, "second": 28}
